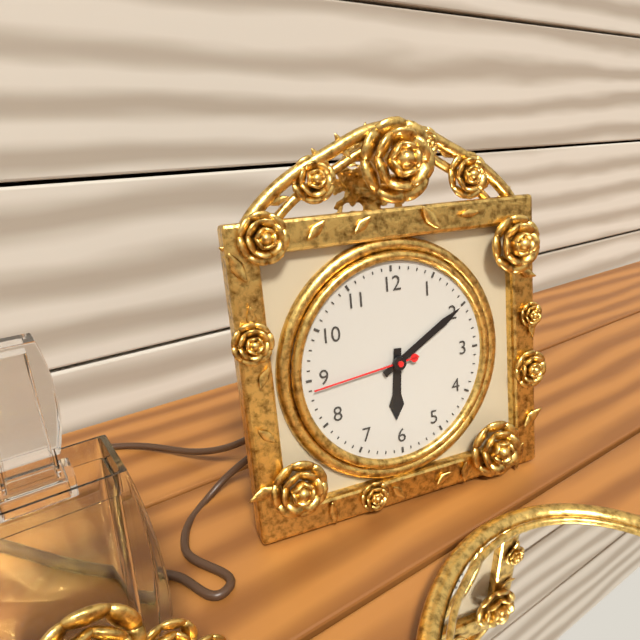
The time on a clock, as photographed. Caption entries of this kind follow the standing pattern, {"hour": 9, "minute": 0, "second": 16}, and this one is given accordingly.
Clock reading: {"hour": 6, "minute": 10, "second": 44}
